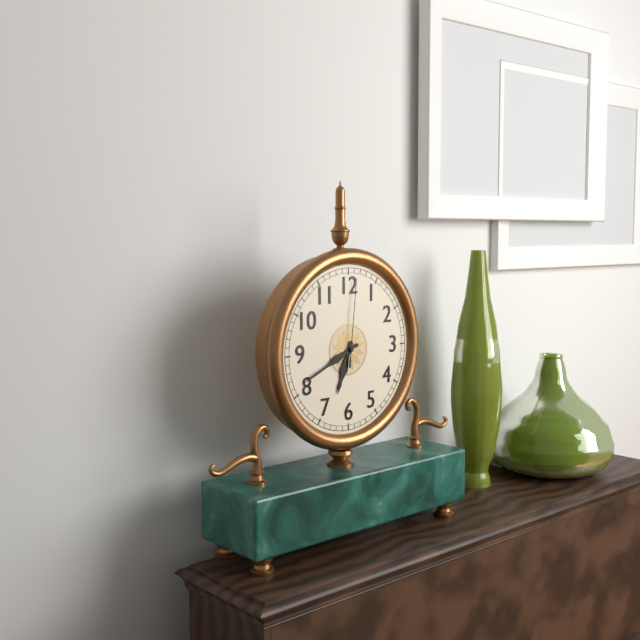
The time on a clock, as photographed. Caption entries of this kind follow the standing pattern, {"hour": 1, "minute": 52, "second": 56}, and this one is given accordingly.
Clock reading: {"hour": 6, "minute": 41, "second": 1}
